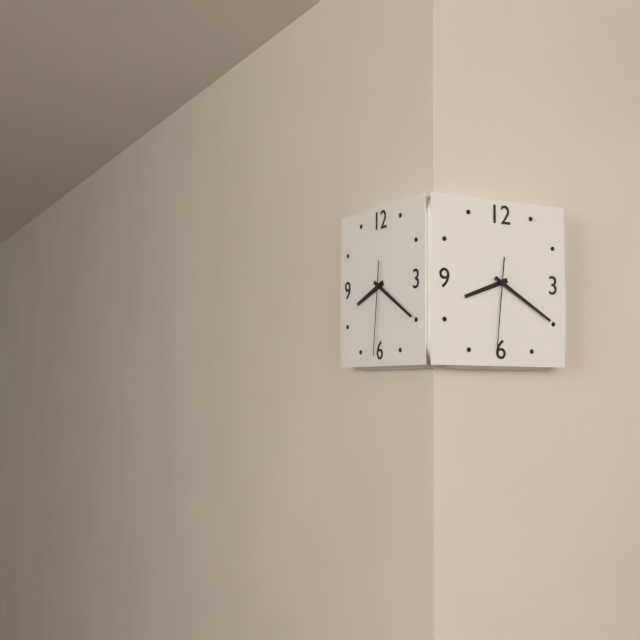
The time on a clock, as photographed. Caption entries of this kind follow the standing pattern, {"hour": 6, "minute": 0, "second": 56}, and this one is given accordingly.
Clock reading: {"hour": 8, "minute": 20, "second": 31}
